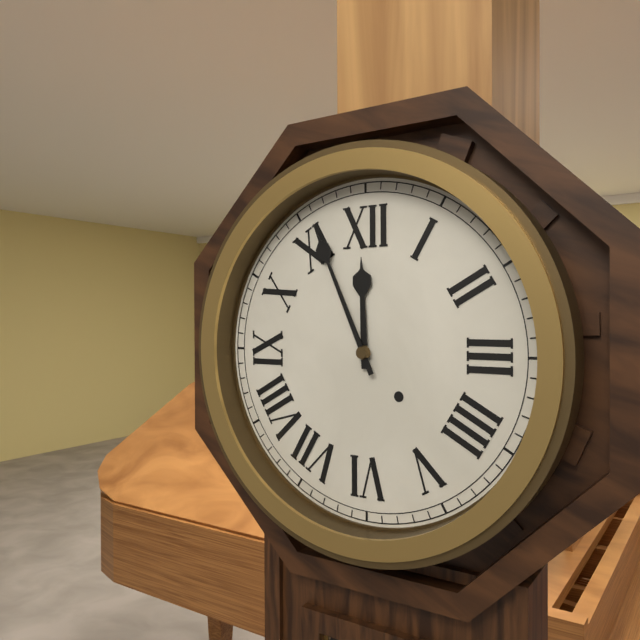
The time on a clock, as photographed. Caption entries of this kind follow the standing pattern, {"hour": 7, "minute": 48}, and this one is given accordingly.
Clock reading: {"hour": 11, "minute": 56}
